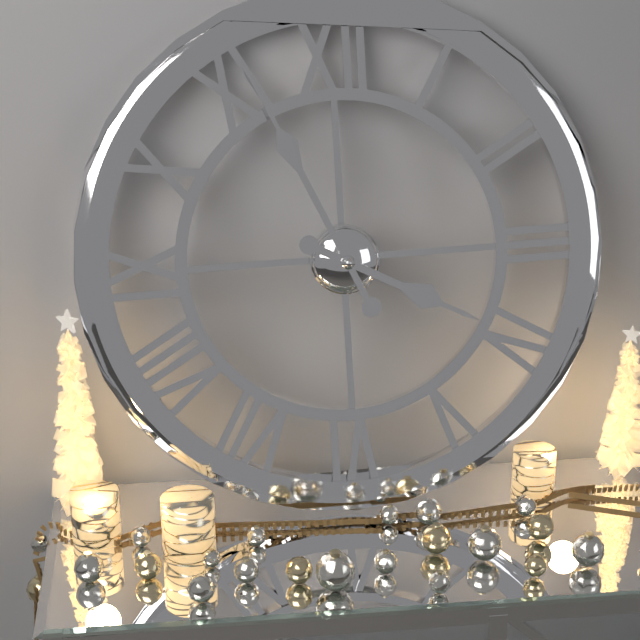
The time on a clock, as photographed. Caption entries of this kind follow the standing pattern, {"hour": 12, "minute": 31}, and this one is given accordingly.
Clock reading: {"hour": 3, "minute": 56}
